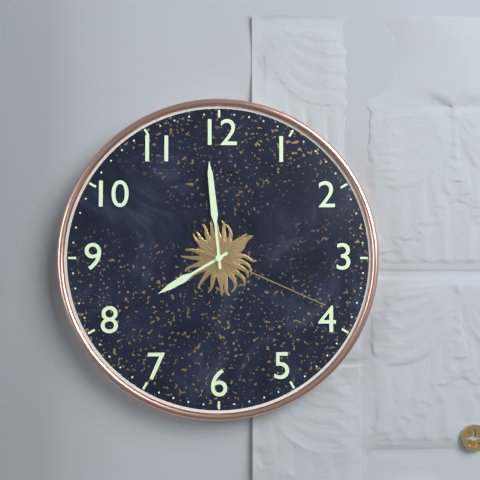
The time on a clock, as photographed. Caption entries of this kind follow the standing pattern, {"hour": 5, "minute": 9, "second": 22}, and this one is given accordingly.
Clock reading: {"hour": 7, "minute": 59, "second": 19}
